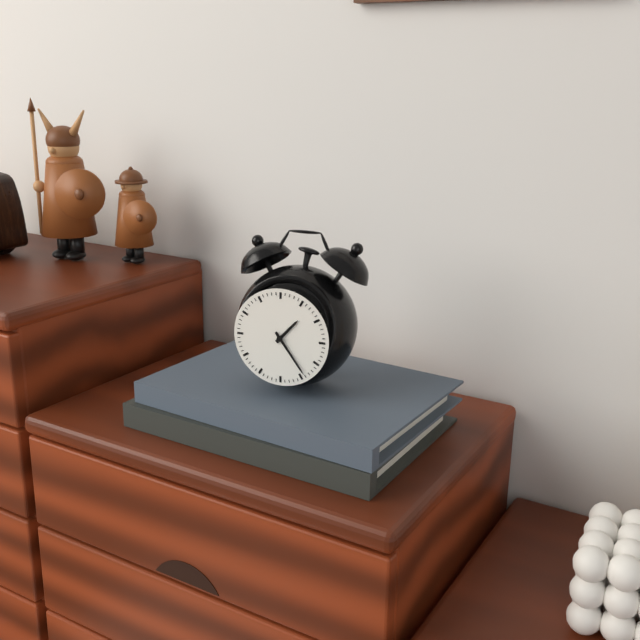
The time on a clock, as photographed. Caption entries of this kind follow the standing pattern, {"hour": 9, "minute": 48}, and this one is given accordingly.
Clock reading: {"hour": 1, "minute": 24}
